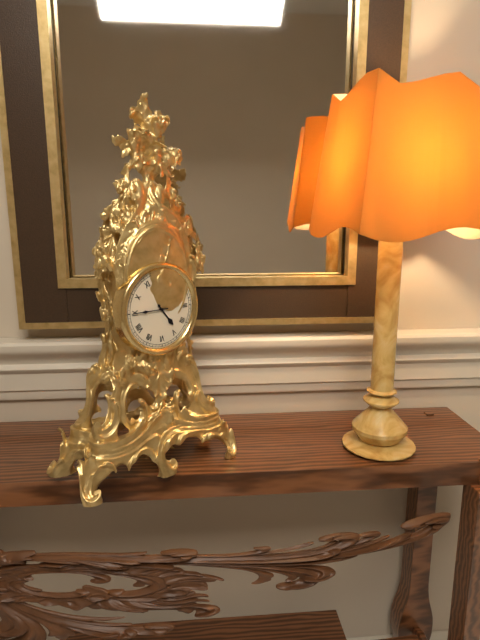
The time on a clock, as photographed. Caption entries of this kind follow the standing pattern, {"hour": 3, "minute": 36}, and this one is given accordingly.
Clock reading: {"hour": 4, "minute": 45}
